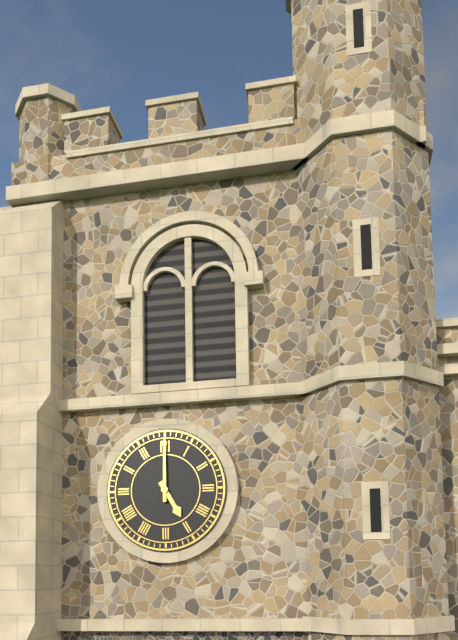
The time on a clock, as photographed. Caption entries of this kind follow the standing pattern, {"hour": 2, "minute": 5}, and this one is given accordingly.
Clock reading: {"hour": 5, "minute": 0}
